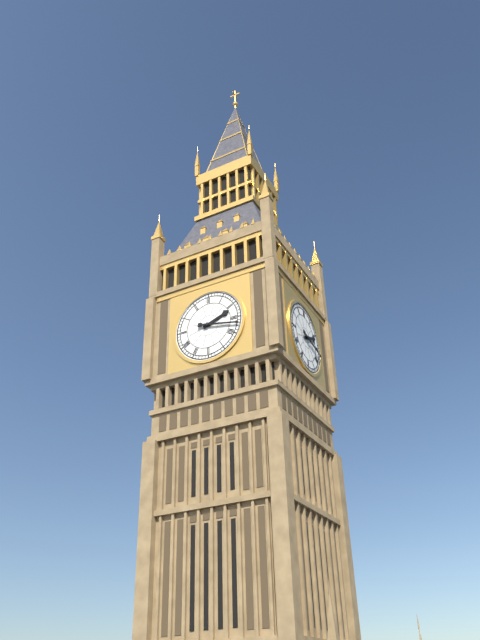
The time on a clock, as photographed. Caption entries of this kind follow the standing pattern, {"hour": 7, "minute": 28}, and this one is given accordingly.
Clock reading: {"hour": 2, "minute": 17}
